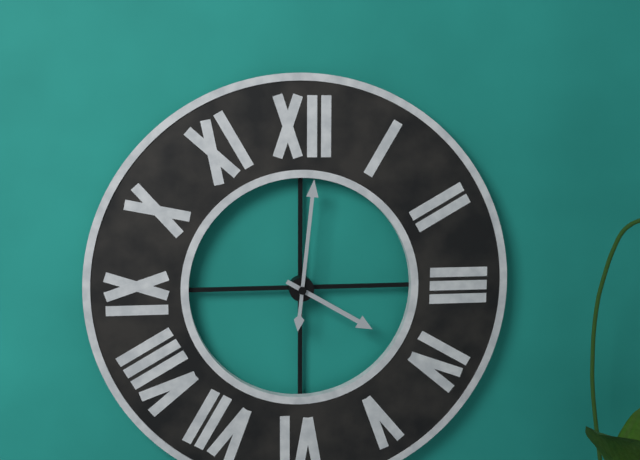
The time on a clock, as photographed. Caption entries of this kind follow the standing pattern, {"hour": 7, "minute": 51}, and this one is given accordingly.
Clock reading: {"hour": 4, "minute": 1}
